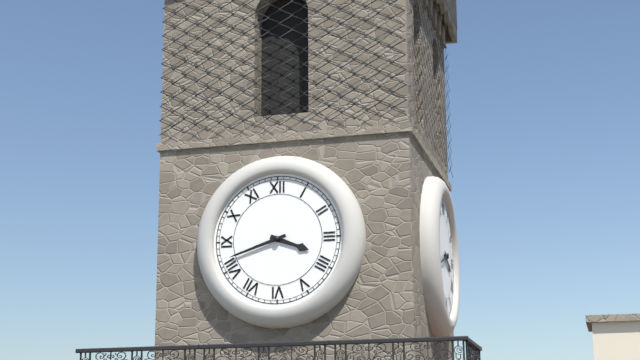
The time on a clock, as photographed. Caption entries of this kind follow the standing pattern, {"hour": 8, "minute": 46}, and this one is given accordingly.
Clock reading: {"hour": 3, "minute": 42}
